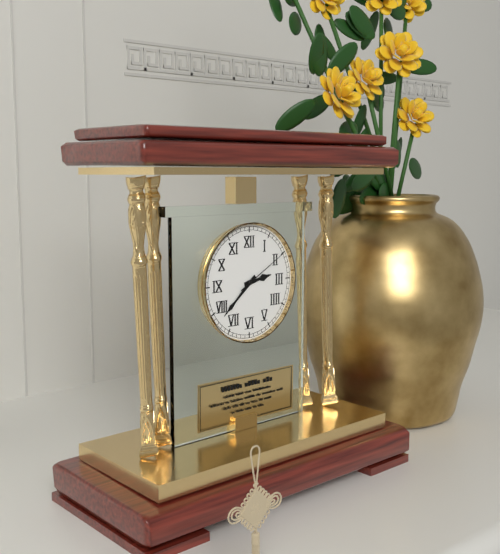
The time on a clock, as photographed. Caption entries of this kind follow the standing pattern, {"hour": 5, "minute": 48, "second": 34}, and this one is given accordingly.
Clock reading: {"hour": 2, "minute": 38, "second": 10}
